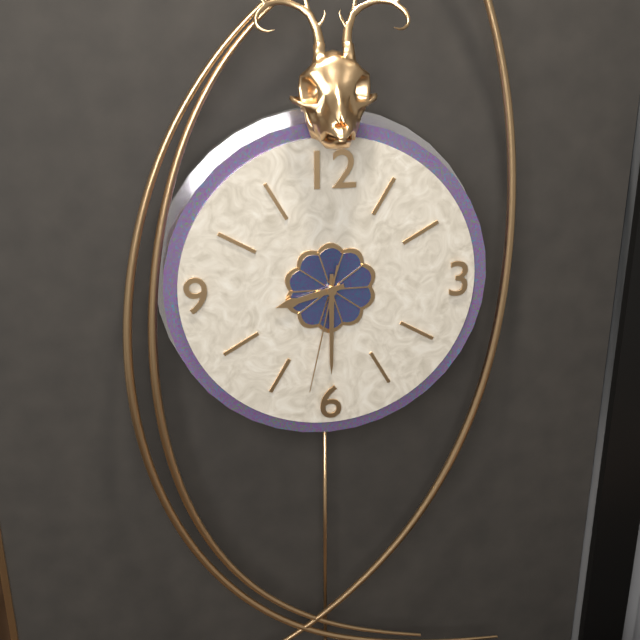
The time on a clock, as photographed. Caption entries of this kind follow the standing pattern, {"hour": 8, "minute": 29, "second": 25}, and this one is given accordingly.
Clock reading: {"hour": 8, "minute": 30, "second": 32}
